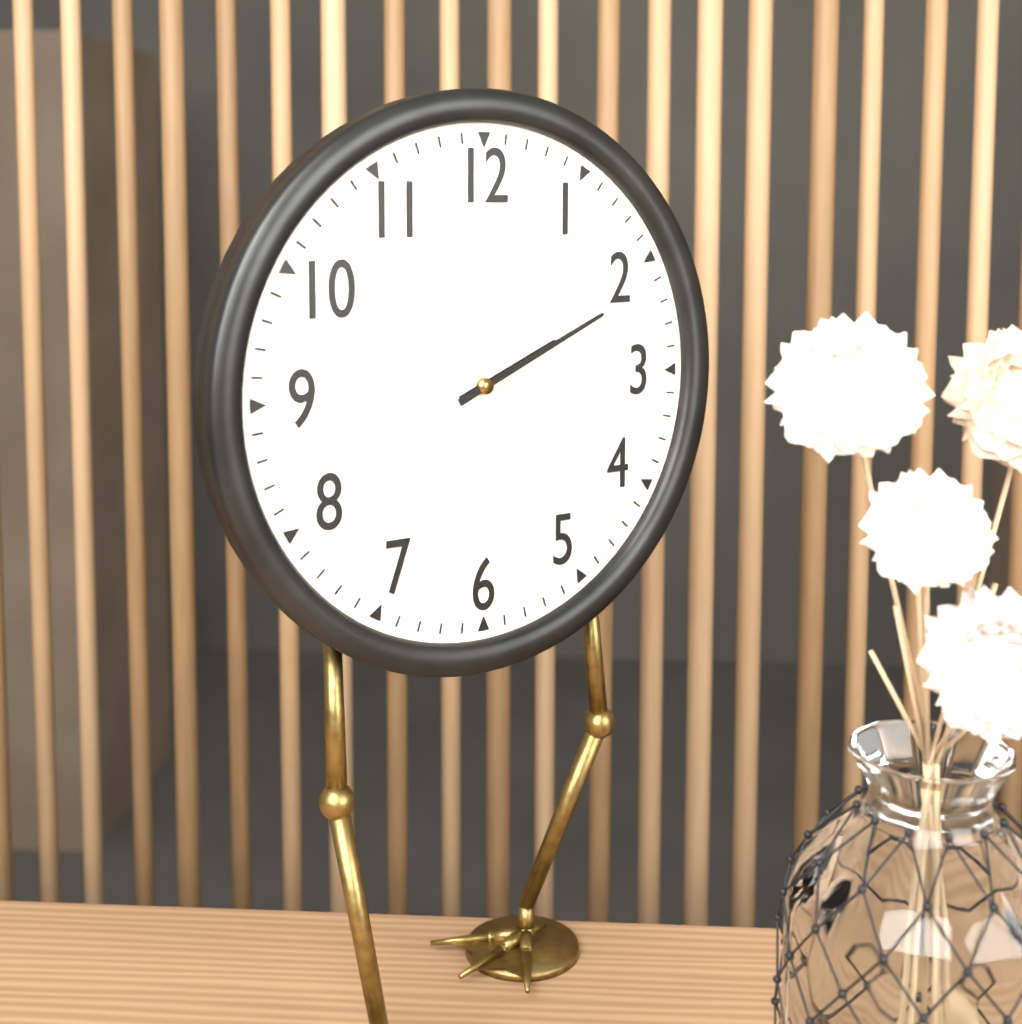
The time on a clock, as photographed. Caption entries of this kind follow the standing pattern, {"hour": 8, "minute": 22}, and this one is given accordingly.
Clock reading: {"hour": 2, "minute": 11}
